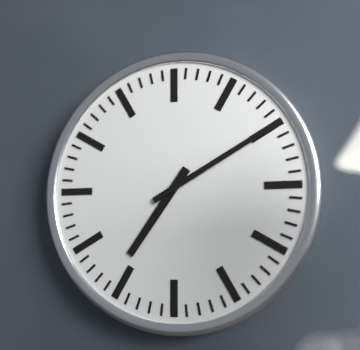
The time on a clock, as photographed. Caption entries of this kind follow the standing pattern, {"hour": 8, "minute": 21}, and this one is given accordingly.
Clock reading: {"hour": 7, "minute": 10}
